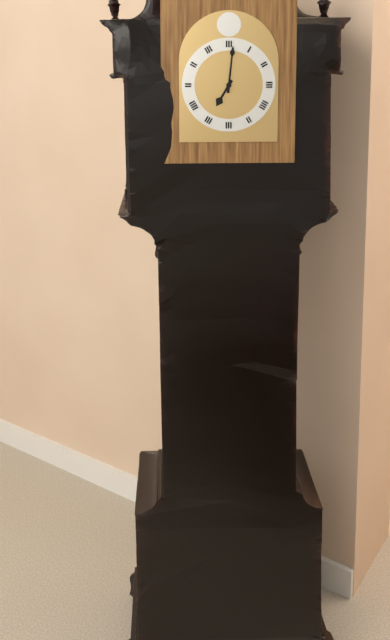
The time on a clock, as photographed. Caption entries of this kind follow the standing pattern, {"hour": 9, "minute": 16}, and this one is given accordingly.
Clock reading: {"hour": 7, "minute": 1}
